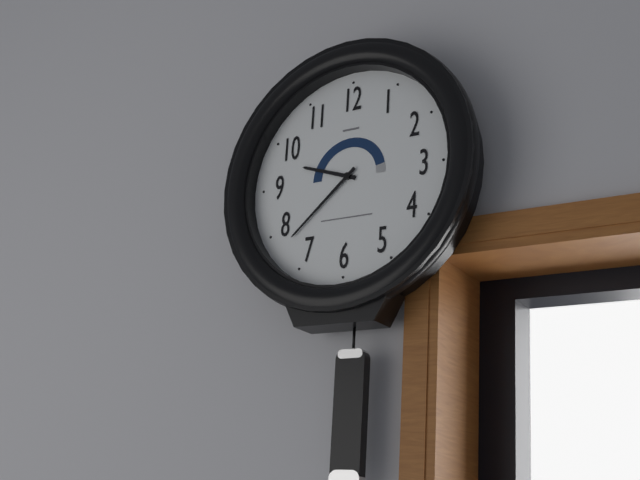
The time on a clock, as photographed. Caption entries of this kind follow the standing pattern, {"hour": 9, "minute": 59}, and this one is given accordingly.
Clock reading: {"hour": 9, "minute": 38}
